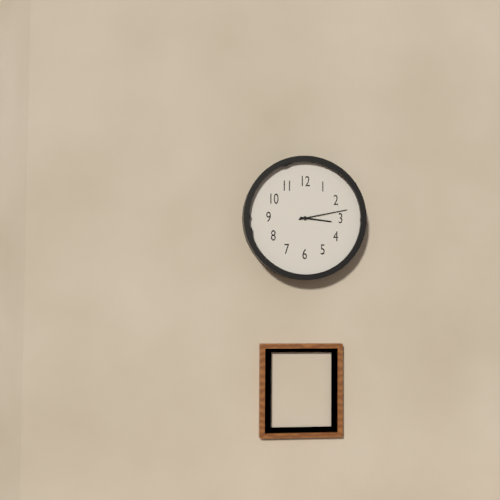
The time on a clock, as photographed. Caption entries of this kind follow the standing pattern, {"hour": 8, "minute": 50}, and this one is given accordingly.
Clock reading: {"hour": 3, "minute": 13}
